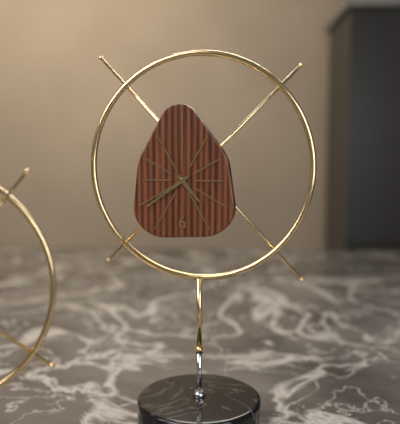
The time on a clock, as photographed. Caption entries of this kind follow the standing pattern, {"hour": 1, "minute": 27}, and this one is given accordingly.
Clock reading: {"hour": 4, "minute": 39}
